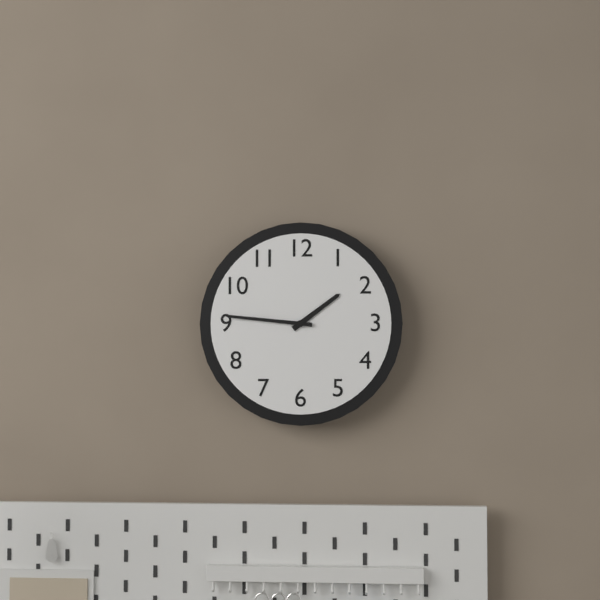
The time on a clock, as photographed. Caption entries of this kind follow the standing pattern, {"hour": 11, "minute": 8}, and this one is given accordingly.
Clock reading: {"hour": 1, "minute": 46}
